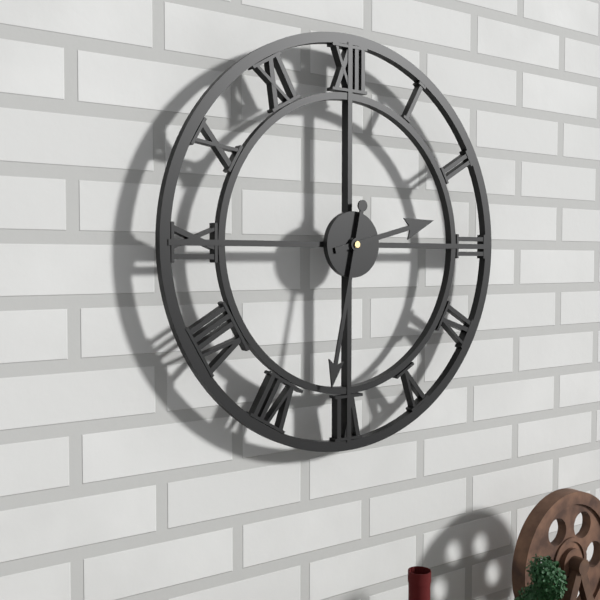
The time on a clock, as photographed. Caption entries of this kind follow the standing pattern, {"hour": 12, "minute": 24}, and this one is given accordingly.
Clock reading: {"hour": 2, "minute": 32}
